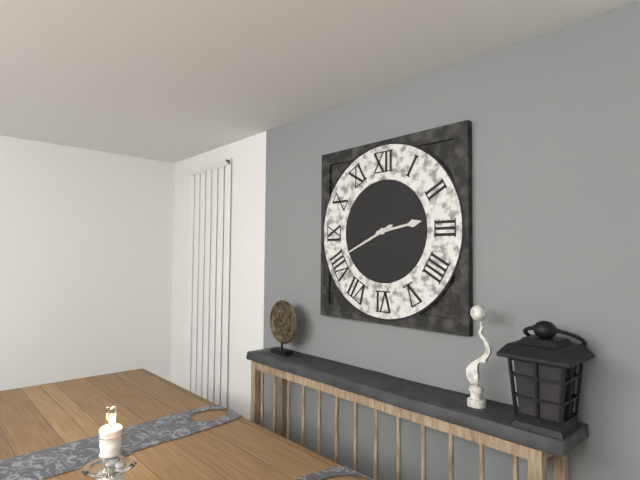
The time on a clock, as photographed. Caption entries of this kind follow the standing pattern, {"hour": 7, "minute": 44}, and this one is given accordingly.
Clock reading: {"hour": 2, "minute": 41}
